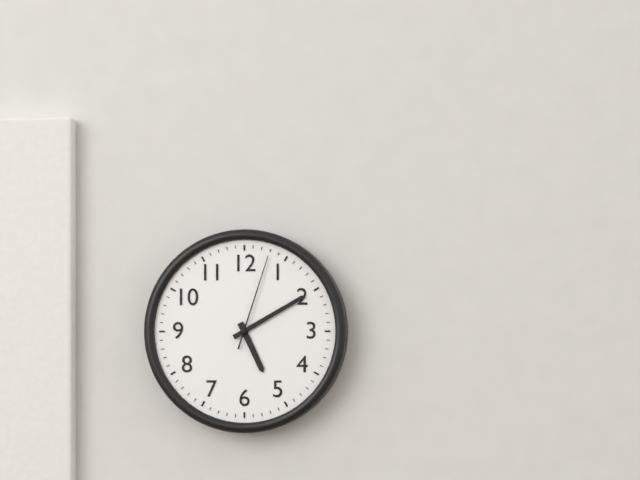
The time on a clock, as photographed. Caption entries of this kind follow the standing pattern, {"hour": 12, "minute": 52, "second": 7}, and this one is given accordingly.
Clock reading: {"hour": 5, "minute": 10, "second": 3}
